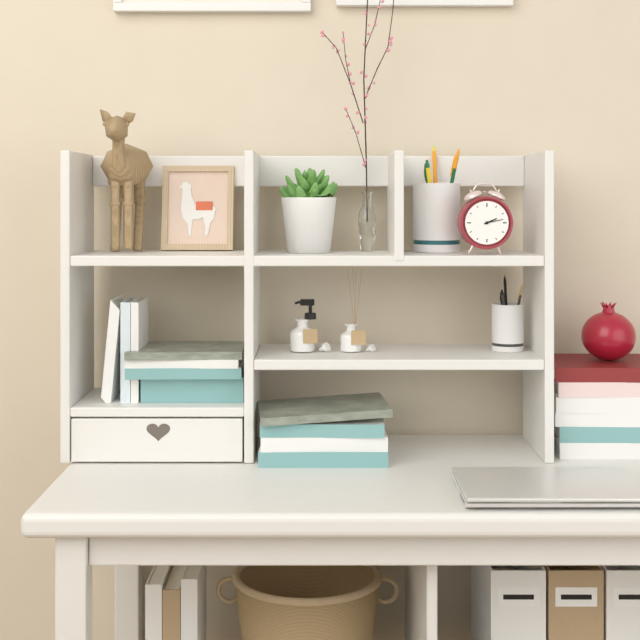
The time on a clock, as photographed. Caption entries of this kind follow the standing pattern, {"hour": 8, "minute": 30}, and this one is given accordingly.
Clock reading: {"hour": 2, "minute": 13}
